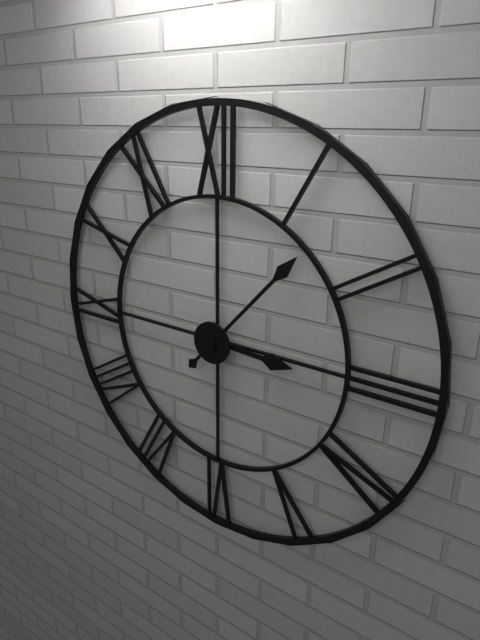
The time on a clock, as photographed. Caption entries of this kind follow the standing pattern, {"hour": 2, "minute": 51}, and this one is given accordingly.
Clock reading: {"hour": 3, "minute": 7}
